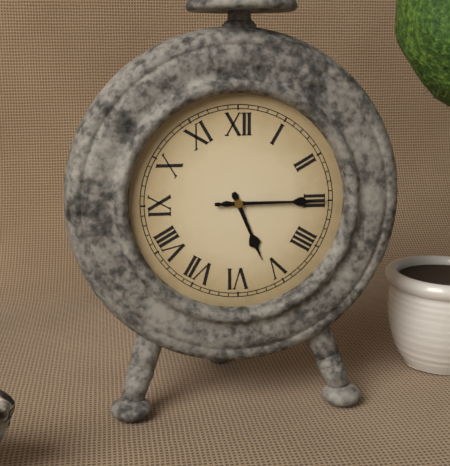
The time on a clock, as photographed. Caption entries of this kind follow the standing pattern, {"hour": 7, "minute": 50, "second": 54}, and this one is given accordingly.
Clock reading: {"hour": 5, "minute": 15, "second": 15}
